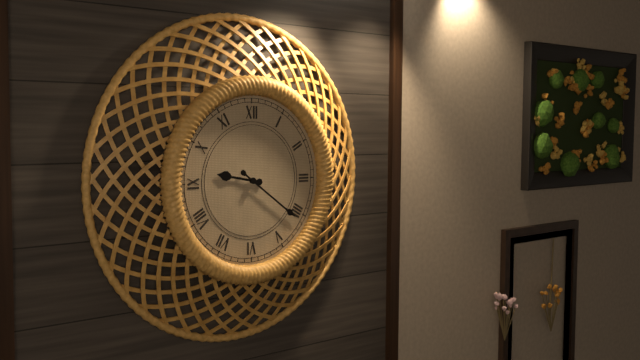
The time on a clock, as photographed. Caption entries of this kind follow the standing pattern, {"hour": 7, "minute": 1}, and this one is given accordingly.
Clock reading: {"hour": 9, "minute": 21}
